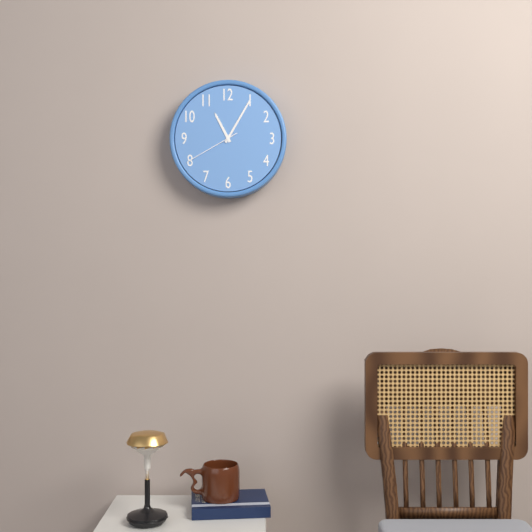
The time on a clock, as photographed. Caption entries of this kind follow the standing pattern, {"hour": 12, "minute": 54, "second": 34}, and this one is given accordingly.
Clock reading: {"hour": 11, "minute": 5, "second": 40}
